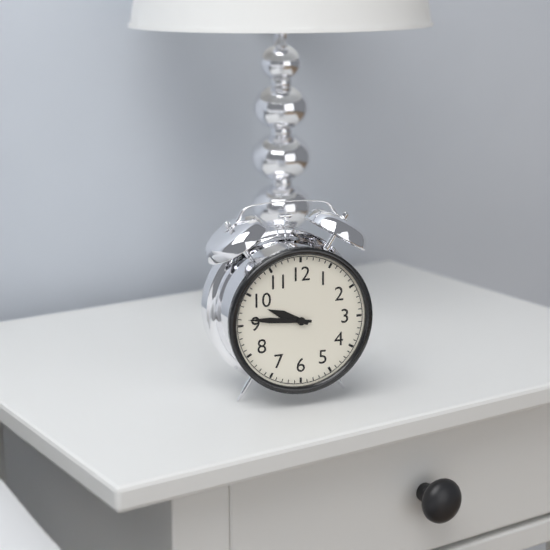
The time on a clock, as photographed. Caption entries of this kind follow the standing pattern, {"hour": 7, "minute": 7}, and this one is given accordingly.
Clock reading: {"hour": 9, "minute": 46}
